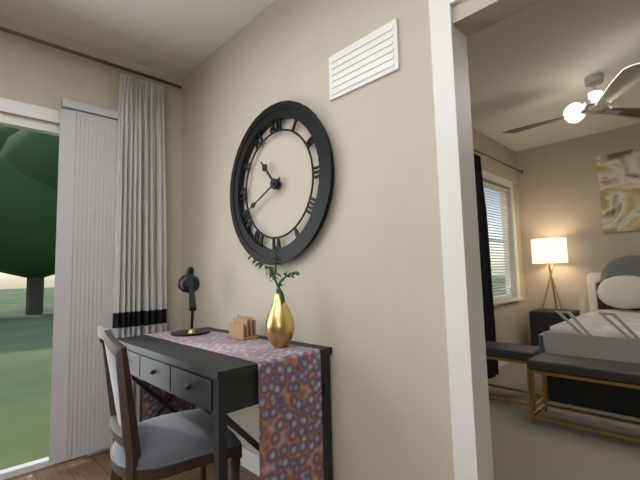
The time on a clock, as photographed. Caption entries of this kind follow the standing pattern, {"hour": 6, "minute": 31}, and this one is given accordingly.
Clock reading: {"hour": 10, "minute": 41}
